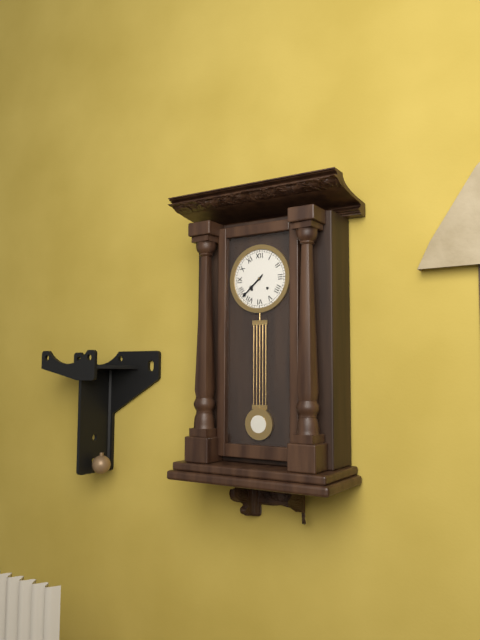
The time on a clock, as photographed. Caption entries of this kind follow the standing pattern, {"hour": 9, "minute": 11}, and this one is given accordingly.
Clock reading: {"hour": 7, "minute": 38}
